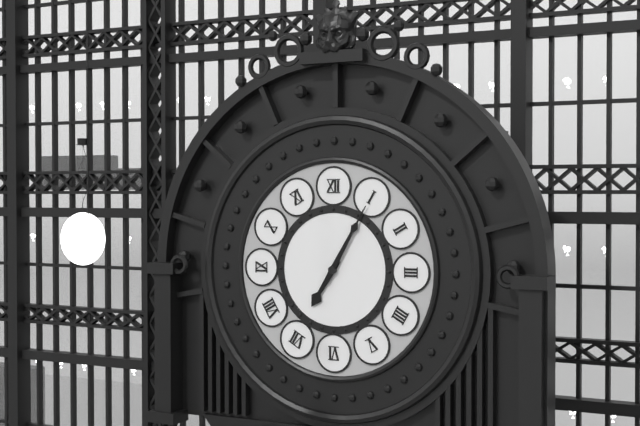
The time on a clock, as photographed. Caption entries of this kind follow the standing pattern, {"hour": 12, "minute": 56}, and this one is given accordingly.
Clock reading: {"hour": 7, "minute": 5}
